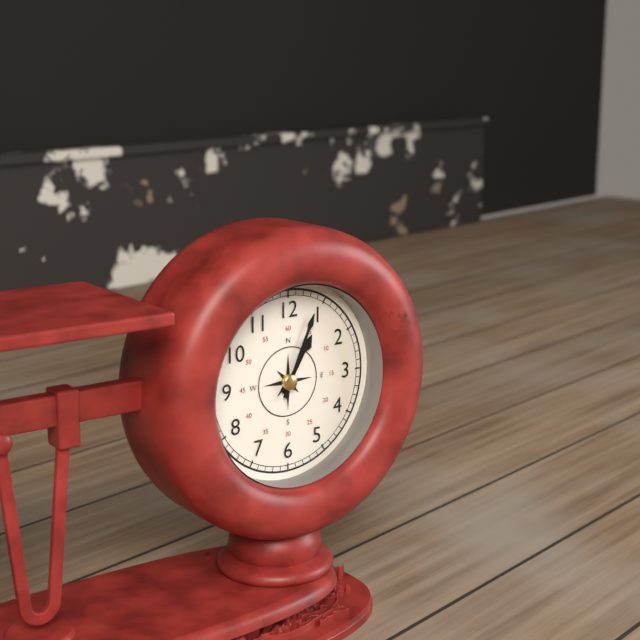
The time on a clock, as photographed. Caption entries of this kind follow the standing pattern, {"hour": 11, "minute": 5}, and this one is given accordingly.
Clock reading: {"hour": 1, "minute": 4}
